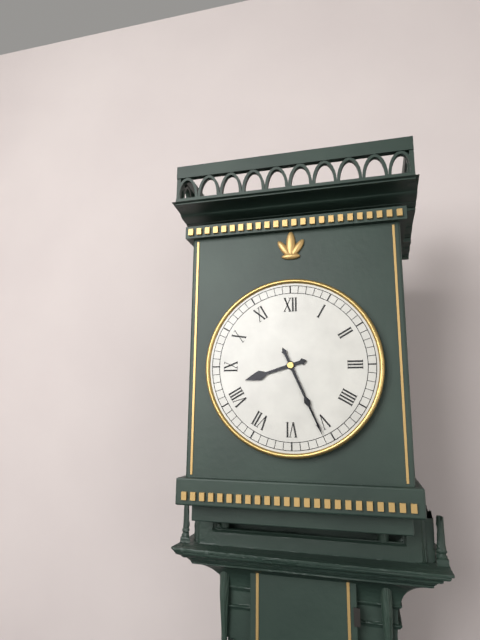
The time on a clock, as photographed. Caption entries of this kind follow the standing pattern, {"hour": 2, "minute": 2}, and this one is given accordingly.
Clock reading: {"hour": 8, "minute": 26}
